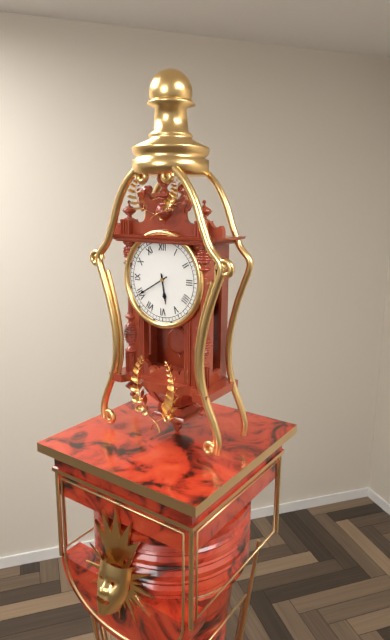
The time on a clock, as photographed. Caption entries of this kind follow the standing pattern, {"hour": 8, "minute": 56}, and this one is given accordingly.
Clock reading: {"hour": 5, "minute": 40}
